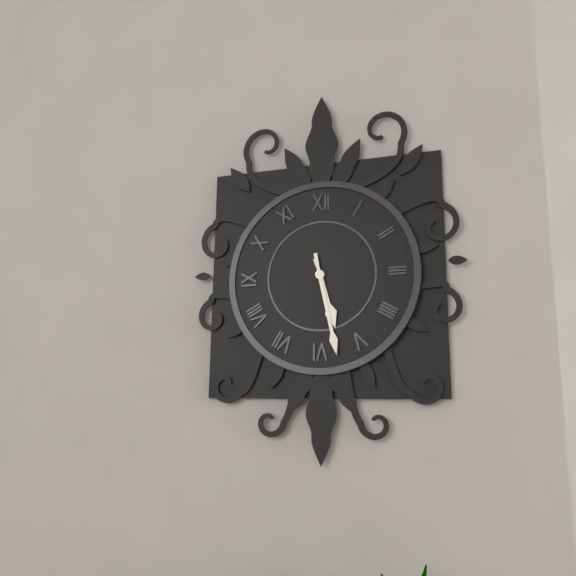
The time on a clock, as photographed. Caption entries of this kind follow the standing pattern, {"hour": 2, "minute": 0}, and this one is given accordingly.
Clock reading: {"hour": 5, "minute": 28}
